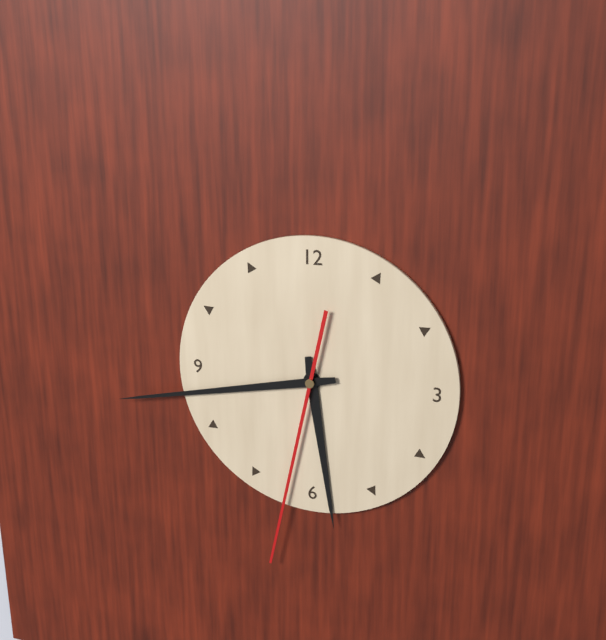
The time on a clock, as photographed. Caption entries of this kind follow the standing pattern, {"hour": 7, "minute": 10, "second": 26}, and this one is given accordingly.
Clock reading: {"hour": 5, "minute": 43, "second": 32}
